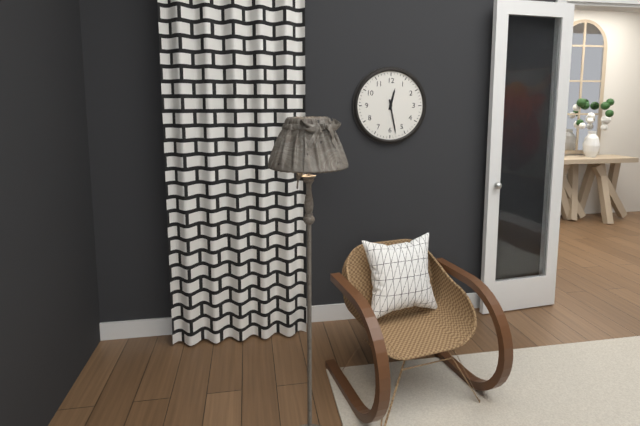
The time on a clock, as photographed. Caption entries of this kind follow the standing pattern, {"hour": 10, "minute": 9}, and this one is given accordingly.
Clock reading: {"hour": 12, "minute": 28}
